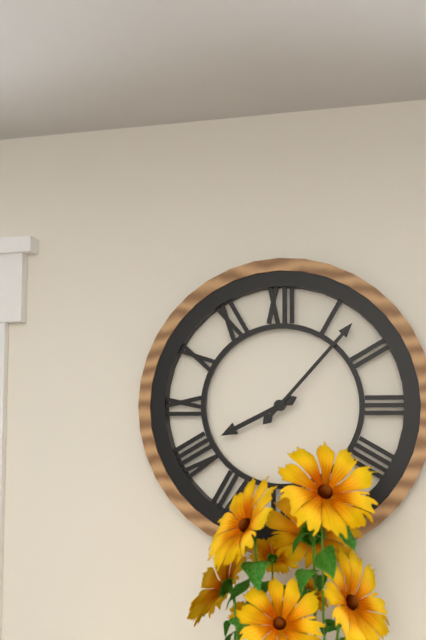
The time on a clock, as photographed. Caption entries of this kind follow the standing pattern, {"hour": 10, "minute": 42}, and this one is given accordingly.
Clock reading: {"hour": 8, "minute": 7}
